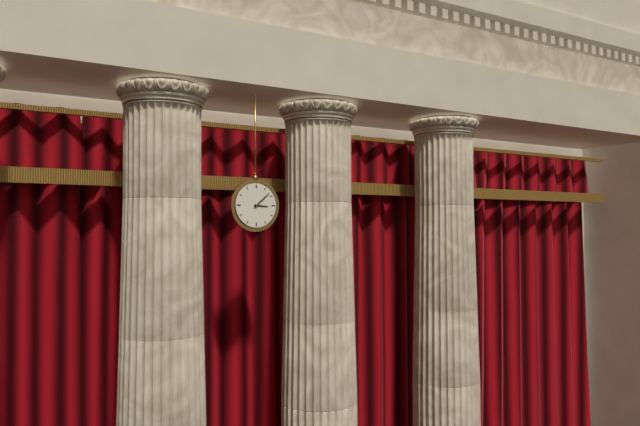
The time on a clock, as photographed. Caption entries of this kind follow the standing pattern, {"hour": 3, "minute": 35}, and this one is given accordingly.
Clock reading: {"hour": 3, "minute": 8}
